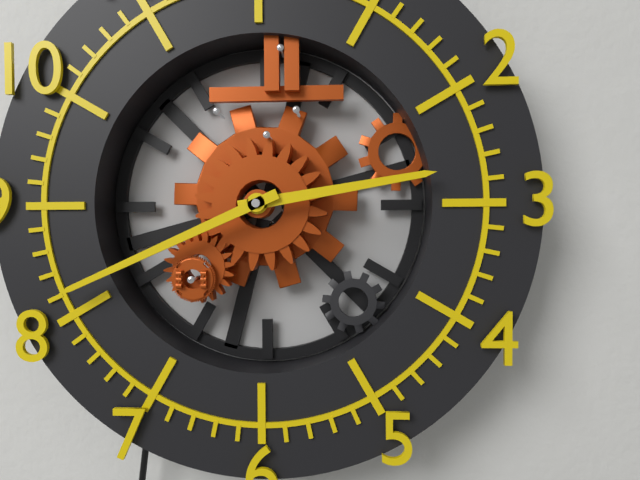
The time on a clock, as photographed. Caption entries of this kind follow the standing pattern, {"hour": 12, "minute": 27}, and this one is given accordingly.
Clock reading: {"hour": 2, "minute": 41}
